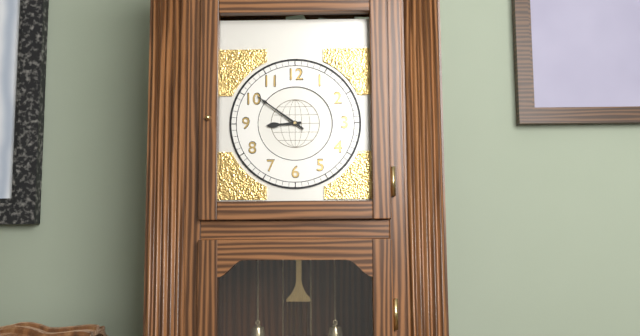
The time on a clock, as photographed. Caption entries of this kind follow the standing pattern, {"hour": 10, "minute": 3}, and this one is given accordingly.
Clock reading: {"hour": 8, "minute": 51}
